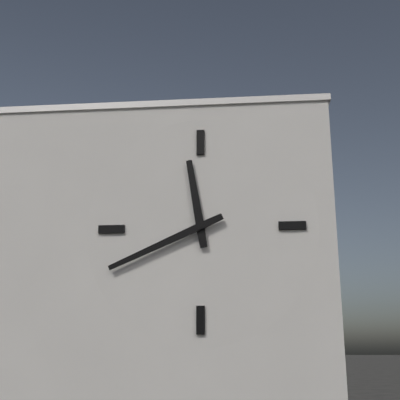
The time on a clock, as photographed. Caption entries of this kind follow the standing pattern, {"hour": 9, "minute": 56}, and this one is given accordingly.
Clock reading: {"hour": 11, "minute": 41}
